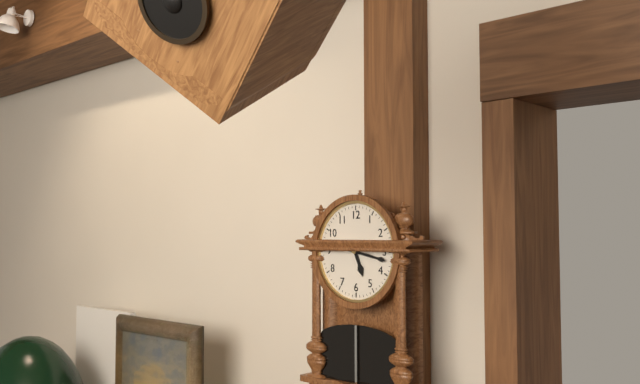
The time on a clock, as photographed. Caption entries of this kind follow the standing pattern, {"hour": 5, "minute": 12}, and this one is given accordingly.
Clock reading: {"hour": 5, "minute": 17}
